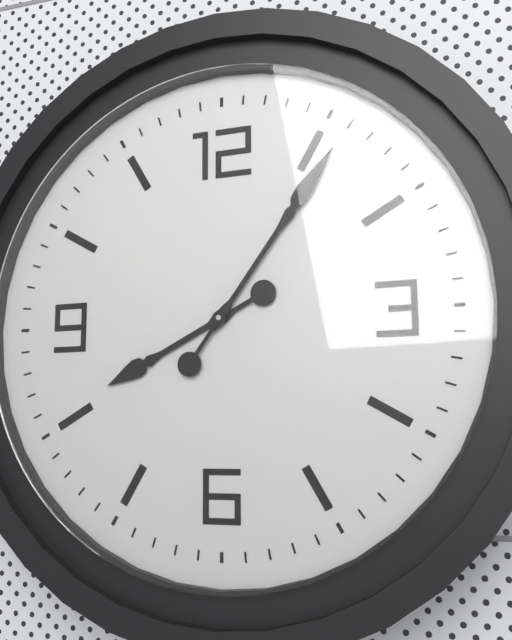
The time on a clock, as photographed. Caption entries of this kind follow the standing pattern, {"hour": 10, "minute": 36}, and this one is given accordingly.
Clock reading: {"hour": 8, "minute": 6}
